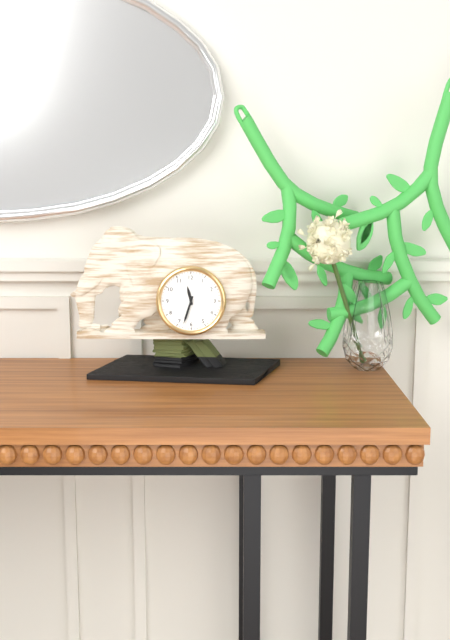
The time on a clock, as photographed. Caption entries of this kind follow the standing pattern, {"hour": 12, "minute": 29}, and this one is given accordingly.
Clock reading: {"hour": 11, "minute": 33}
